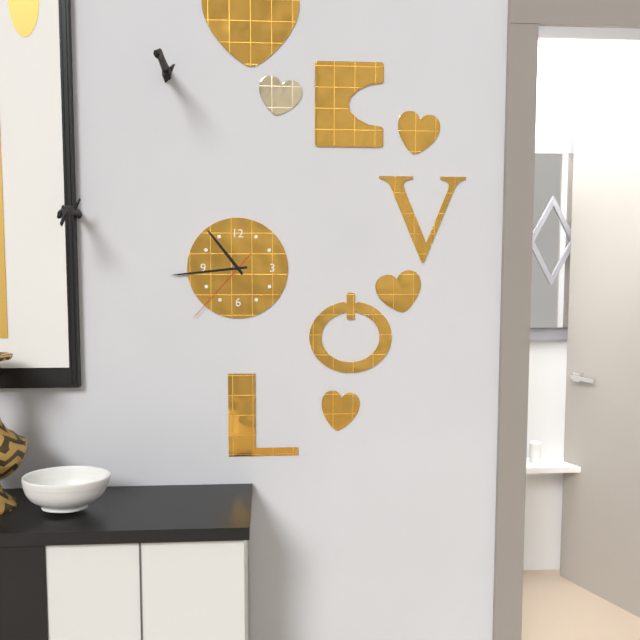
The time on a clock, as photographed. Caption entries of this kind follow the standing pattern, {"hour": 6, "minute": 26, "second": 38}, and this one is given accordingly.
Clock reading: {"hour": 10, "minute": 44, "second": 37}
